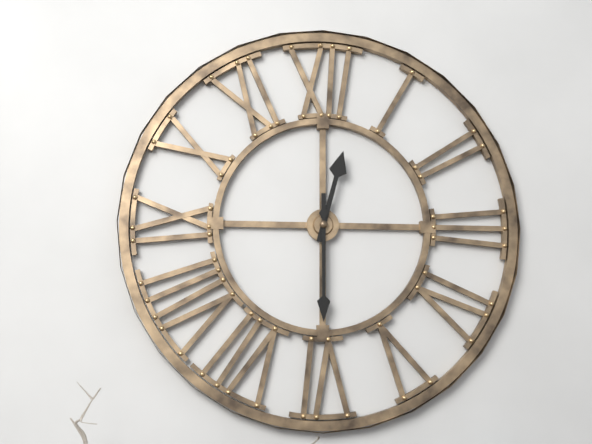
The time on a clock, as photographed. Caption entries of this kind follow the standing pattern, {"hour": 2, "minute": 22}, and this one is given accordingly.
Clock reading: {"hour": 12, "minute": 30}
